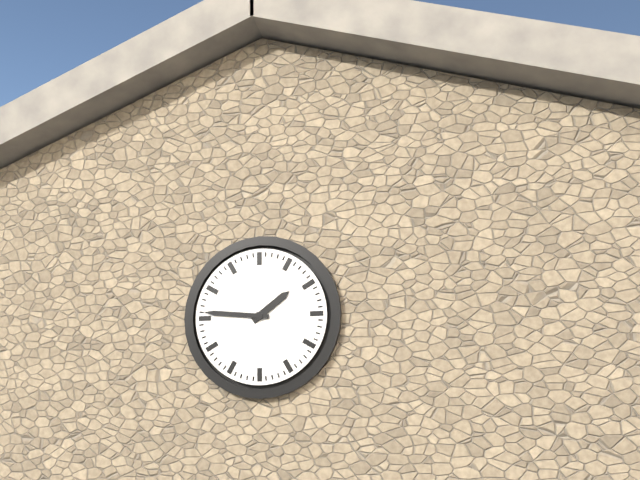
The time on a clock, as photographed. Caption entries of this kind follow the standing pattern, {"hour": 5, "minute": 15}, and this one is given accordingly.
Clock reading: {"hour": 1, "minute": 46}
